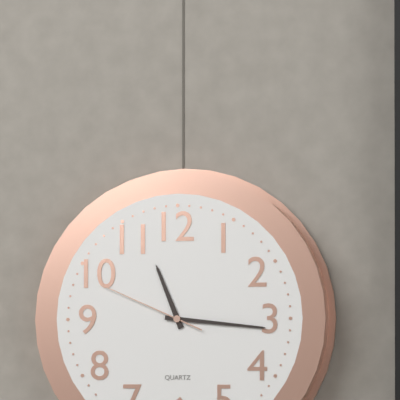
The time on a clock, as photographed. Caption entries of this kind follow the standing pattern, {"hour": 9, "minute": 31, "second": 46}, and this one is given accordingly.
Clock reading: {"hour": 11, "minute": 16, "second": 49}
